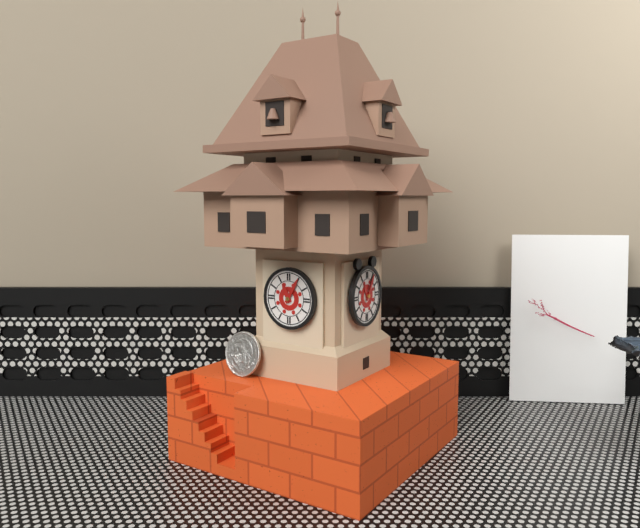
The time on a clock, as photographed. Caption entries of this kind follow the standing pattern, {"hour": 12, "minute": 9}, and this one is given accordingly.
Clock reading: {"hour": 11, "minute": 5}
